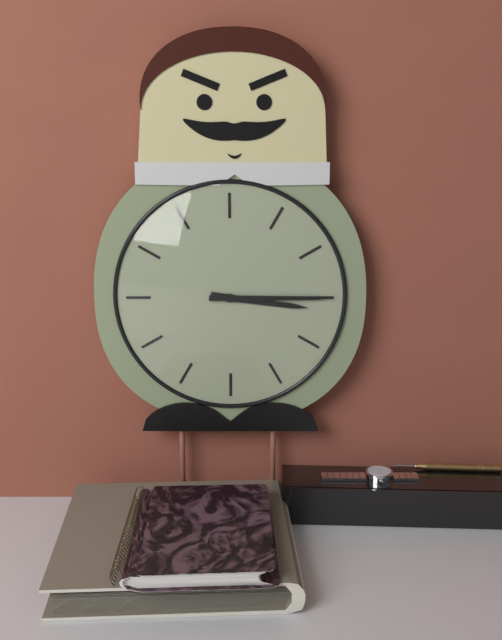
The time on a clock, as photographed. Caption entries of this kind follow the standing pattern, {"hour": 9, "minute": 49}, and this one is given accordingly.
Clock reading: {"hour": 3, "minute": 15}
